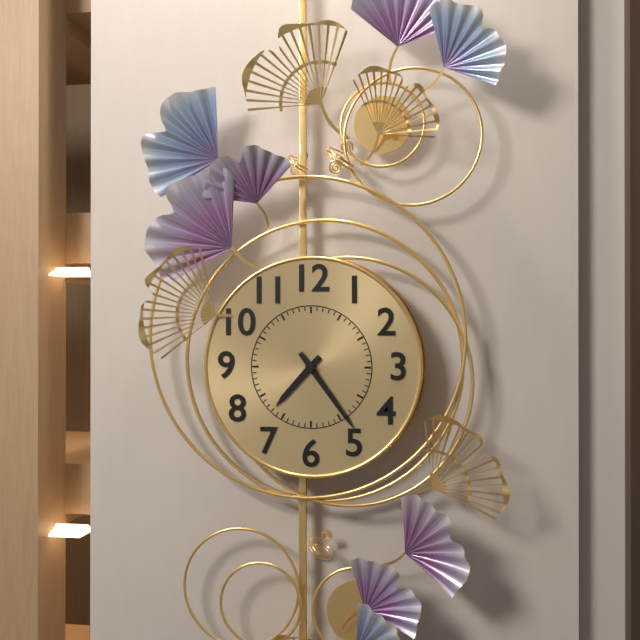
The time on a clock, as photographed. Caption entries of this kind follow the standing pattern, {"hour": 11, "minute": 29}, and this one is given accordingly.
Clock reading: {"hour": 7, "minute": 24}
